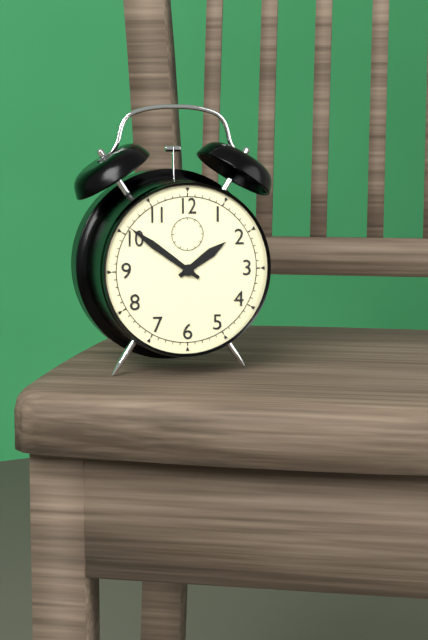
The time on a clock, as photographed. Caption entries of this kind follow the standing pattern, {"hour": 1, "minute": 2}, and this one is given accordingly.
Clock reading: {"hour": 1, "minute": 51}
